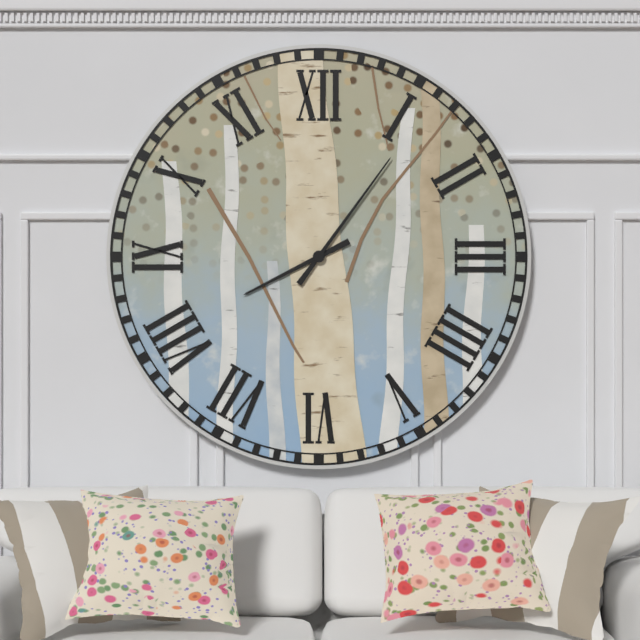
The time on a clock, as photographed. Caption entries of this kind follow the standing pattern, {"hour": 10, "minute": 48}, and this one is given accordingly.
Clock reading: {"hour": 8, "minute": 6}
